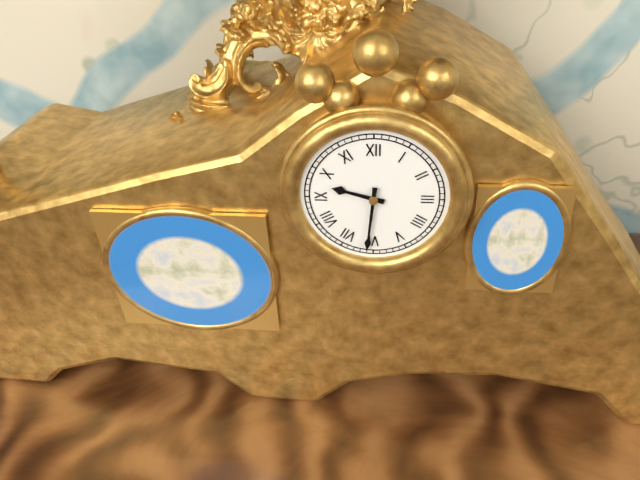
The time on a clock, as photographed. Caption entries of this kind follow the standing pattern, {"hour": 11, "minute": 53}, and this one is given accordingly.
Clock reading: {"hour": 9, "minute": 31}
